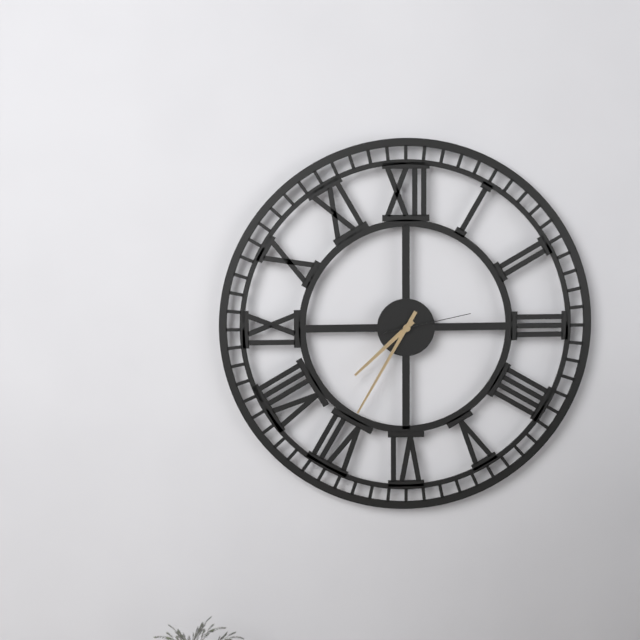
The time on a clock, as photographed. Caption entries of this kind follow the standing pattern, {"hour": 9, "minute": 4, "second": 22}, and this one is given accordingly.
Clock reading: {"hour": 7, "minute": 35, "second": 13}
